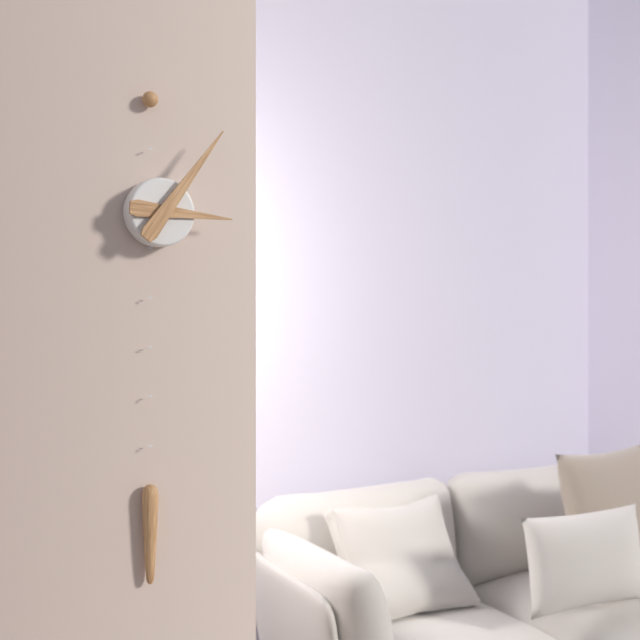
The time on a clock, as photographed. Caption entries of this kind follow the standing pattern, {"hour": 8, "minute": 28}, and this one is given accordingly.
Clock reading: {"hour": 3, "minute": 6}
